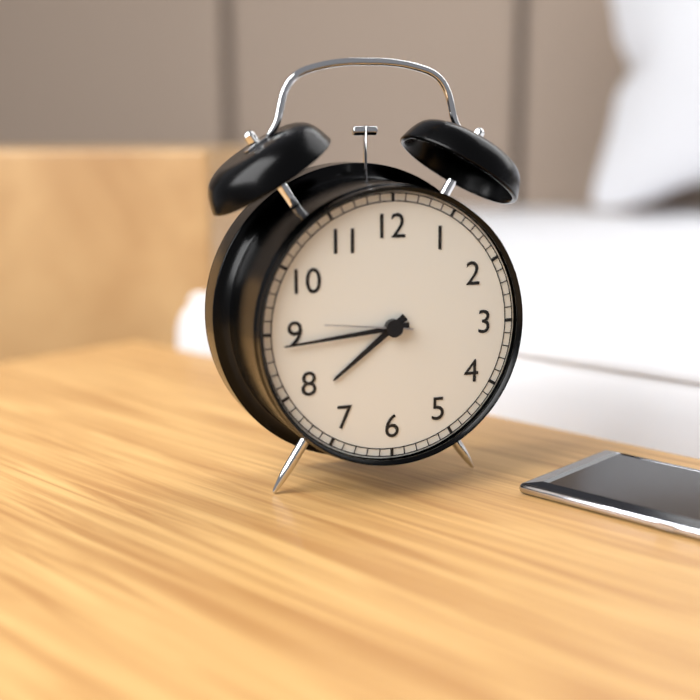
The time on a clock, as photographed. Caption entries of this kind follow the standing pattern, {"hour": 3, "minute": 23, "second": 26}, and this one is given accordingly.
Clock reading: {"hour": 7, "minute": 44, "second": 46}
